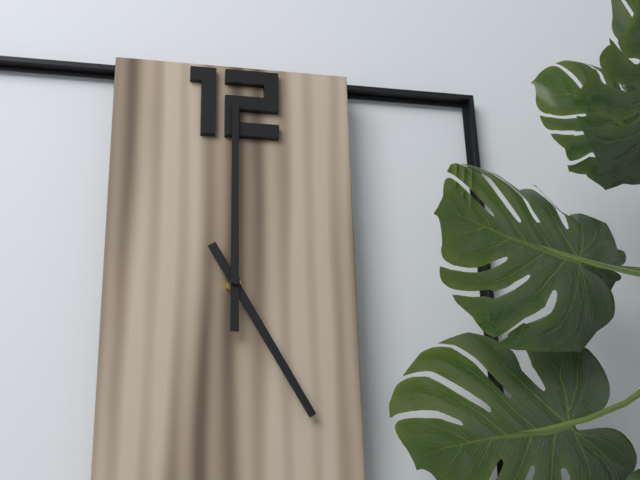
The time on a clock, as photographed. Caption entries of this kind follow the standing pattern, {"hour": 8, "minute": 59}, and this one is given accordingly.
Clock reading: {"hour": 5, "minute": 0}
